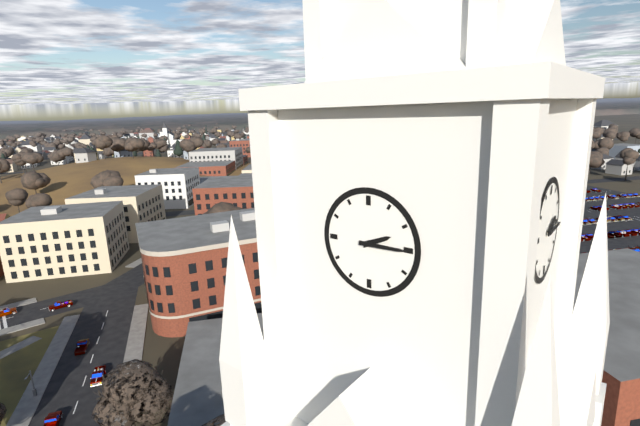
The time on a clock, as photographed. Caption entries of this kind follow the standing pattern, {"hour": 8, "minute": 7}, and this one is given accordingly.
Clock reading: {"hour": 2, "minute": 15}
